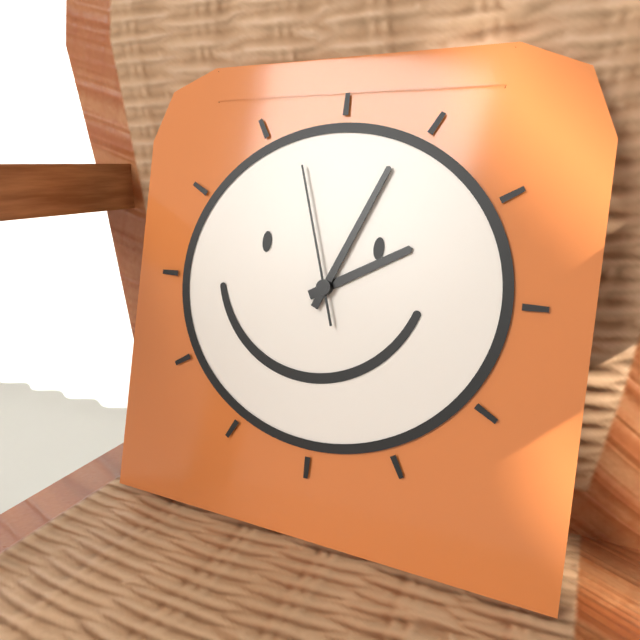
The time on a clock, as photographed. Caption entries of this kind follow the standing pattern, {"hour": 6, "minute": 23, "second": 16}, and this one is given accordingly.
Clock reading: {"hour": 2, "minute": 4, "second": 57}
